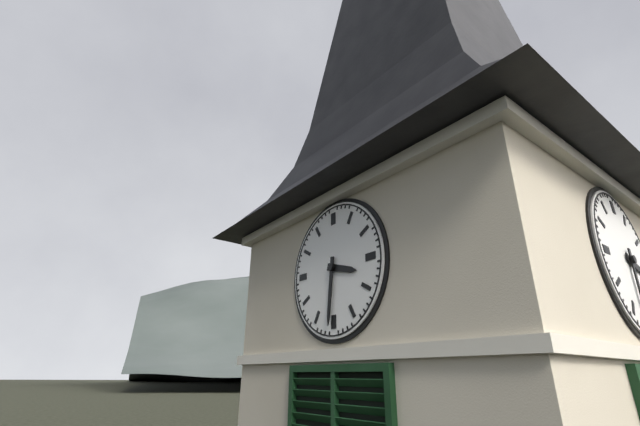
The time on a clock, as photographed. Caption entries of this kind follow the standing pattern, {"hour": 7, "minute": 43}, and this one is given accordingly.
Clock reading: {"hour": 3, "minute": 31}
